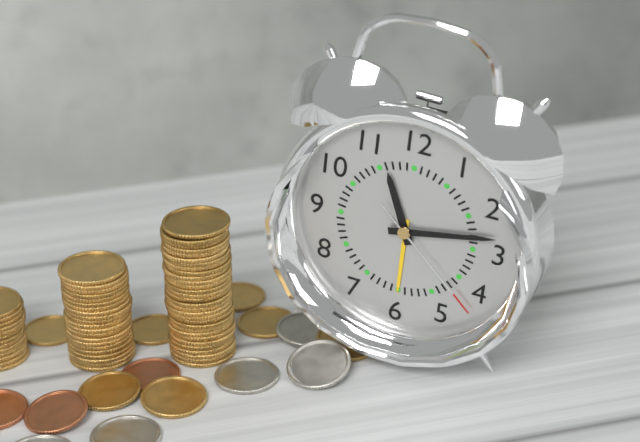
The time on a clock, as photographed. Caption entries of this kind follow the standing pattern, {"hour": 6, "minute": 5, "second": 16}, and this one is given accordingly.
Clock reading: {"hour": 11, "minute": 13, "second": 22}
